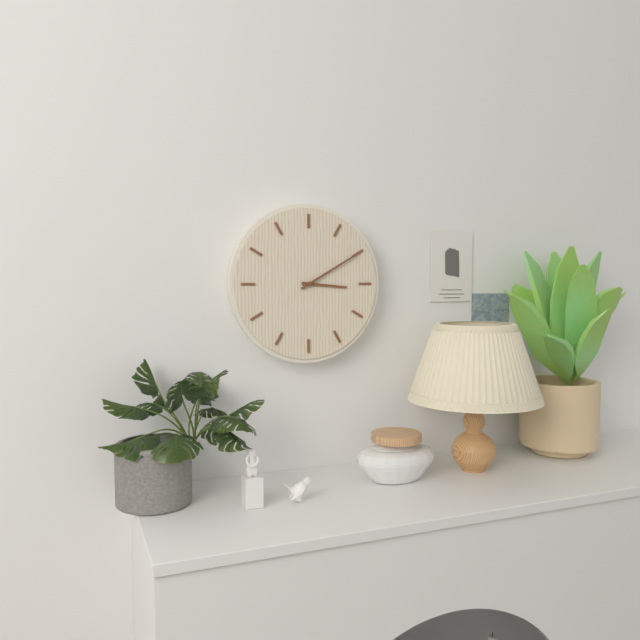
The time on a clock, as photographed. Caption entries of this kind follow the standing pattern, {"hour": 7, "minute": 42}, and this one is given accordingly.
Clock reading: {"hour": 3, "minute": 10}
